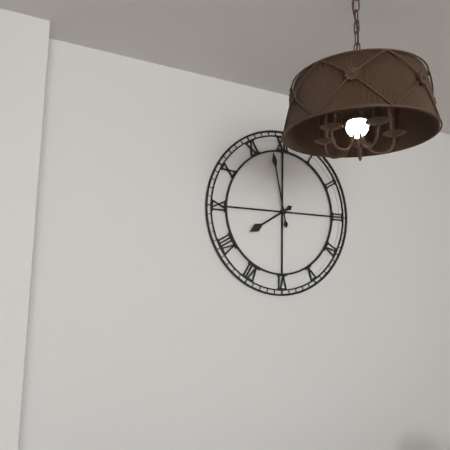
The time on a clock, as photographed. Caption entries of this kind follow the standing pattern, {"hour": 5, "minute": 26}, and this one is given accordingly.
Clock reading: {"hour": 7, "minute": 58}
